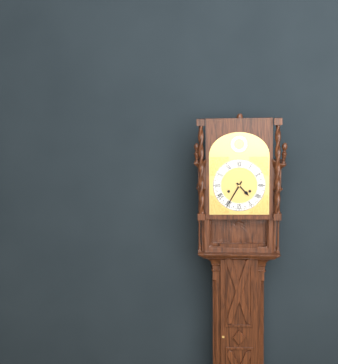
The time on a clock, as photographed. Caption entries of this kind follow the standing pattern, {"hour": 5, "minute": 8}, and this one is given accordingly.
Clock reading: {"hour": 4, "minute": 35}
